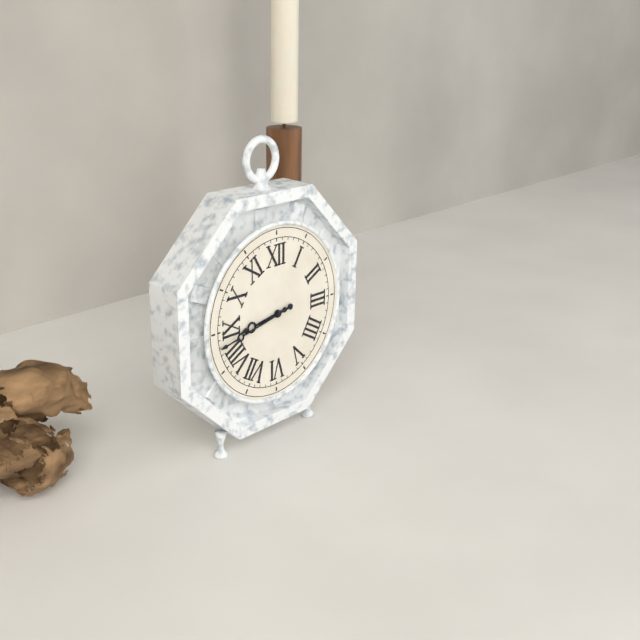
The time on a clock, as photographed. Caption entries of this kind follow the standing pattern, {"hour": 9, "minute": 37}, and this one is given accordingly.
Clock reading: {"hour": 8, "minute": 43}
